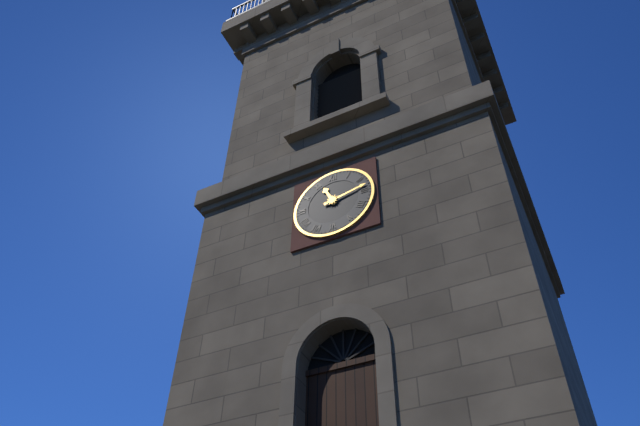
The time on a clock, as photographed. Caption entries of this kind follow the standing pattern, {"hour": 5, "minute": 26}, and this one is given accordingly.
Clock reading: {"hour": 11, "minute": 13}
